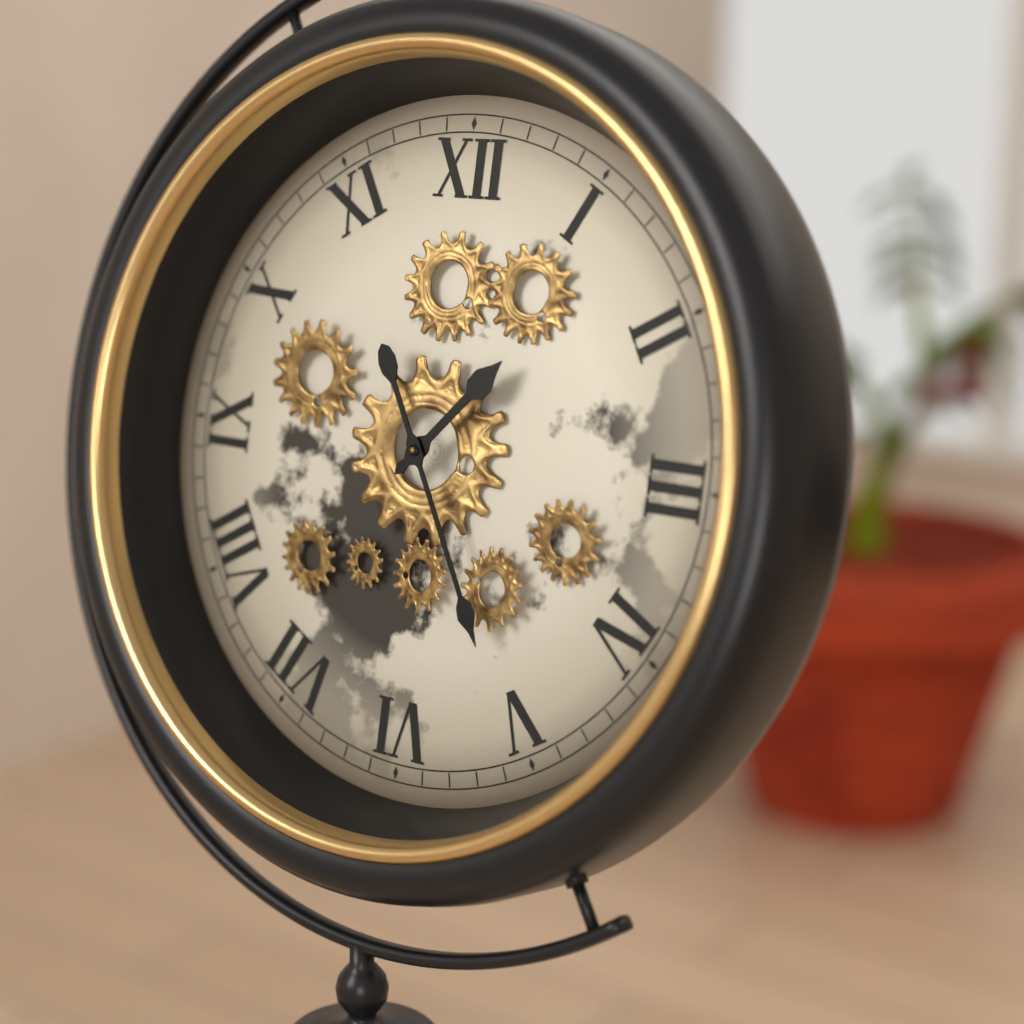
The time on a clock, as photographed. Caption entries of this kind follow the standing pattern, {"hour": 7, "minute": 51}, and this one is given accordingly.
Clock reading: {"hour": 1, "minute": 25}
